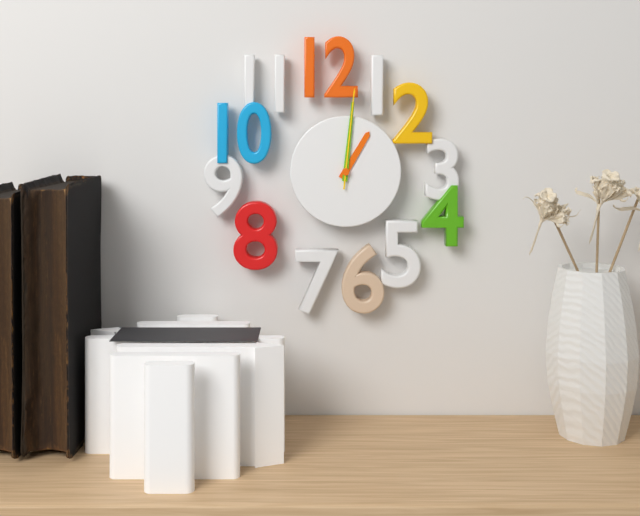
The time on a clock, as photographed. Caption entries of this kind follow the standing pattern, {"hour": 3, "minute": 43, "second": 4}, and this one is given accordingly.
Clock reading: {"hour": 1, "minute": 1, "second": 1}
